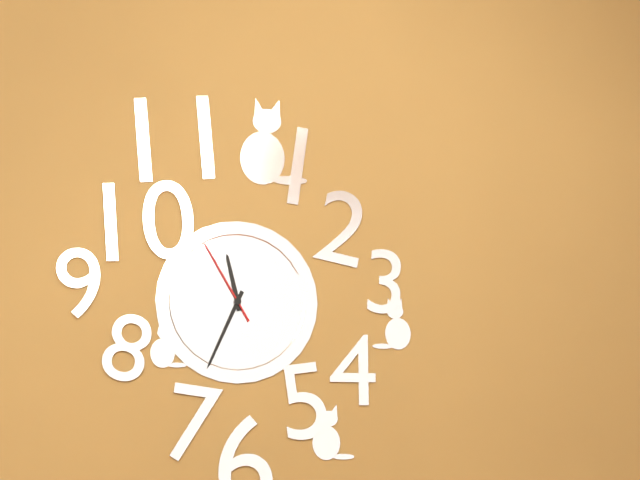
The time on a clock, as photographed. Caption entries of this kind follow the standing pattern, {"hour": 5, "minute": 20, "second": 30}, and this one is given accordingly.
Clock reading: {"hour": 11, "minute": 34, "second": 55}
